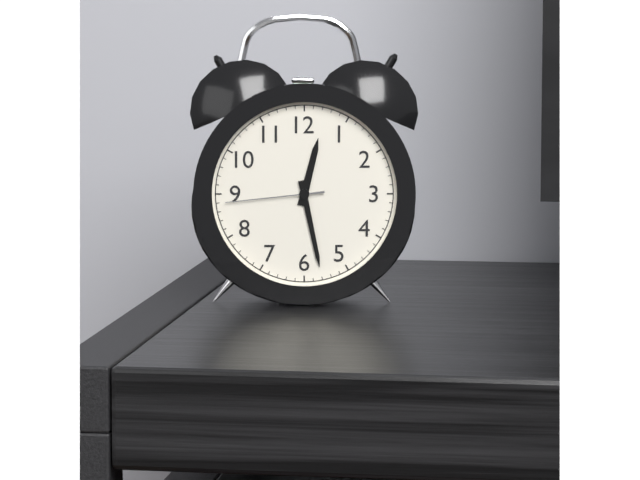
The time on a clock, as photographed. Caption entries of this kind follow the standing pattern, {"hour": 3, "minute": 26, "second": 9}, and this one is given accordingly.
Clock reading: {"hour": 12, "minute": 28, "second": 44}
